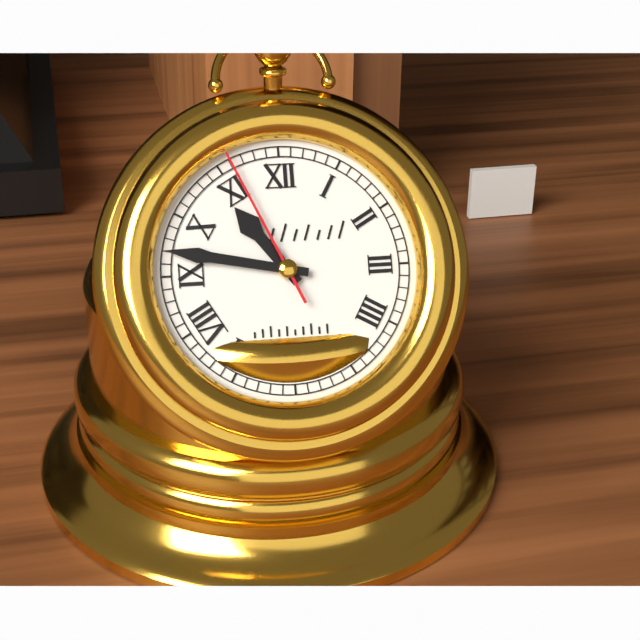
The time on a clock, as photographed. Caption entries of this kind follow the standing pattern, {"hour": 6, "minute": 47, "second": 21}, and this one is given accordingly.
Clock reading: {"hour": 10, "minute": 47, "second": 56}
